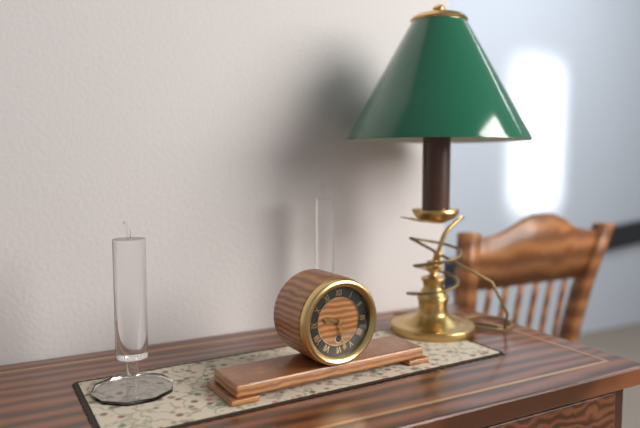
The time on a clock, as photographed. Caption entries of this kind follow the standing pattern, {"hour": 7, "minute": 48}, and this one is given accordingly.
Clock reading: {"hour": 9, "minute": 28}
